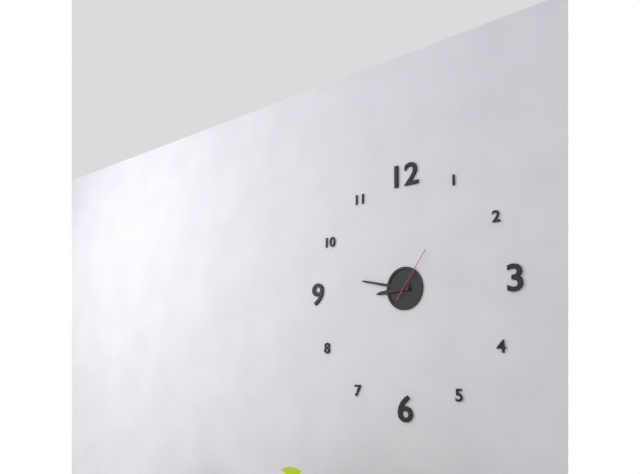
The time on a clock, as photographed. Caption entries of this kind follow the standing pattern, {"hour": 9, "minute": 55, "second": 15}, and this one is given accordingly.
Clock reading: {"hour": 8, "minute": 47, "second": 6}
